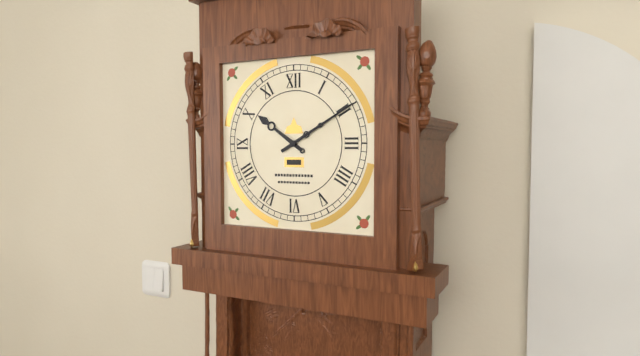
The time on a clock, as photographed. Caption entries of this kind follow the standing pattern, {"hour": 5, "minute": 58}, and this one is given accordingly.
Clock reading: {"hour": 10, "minute": 10}
